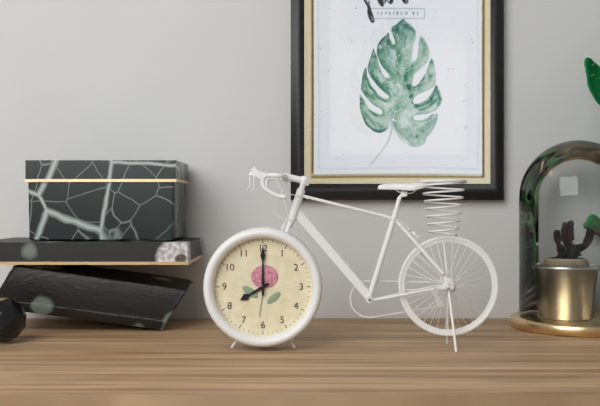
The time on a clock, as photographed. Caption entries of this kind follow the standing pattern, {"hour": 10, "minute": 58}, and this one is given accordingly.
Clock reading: {"hour": 8, "minute": 0}
